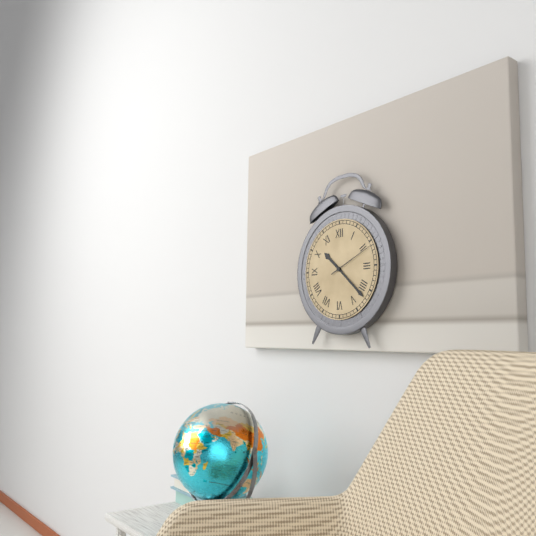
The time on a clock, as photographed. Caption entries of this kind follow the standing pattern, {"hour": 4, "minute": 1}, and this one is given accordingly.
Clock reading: {"hour": 10, "minute": 22}
